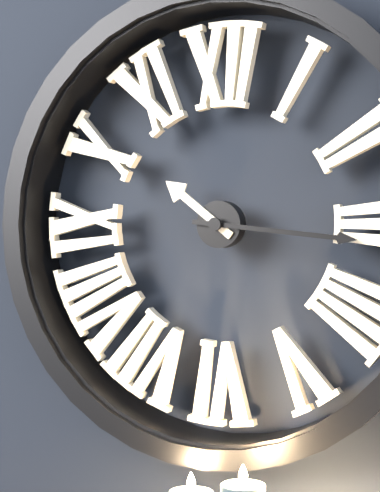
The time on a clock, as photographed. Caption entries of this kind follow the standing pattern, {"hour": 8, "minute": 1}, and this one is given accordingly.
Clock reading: {"hour": 10, "minute": 16}
